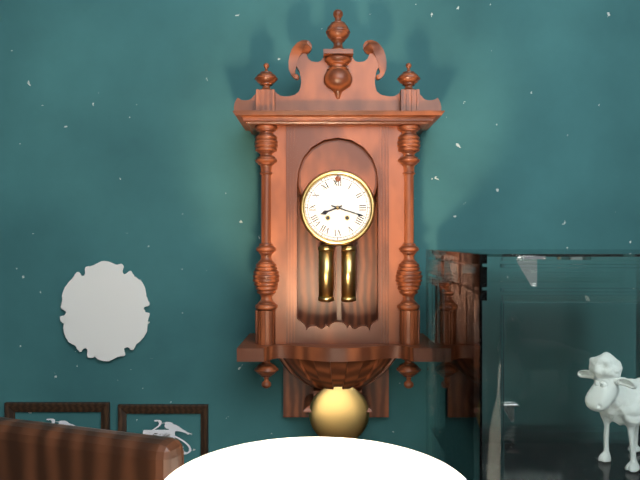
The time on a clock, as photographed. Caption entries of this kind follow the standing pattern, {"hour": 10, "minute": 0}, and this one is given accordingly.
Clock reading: {"hour": 8, "minute": 18}
